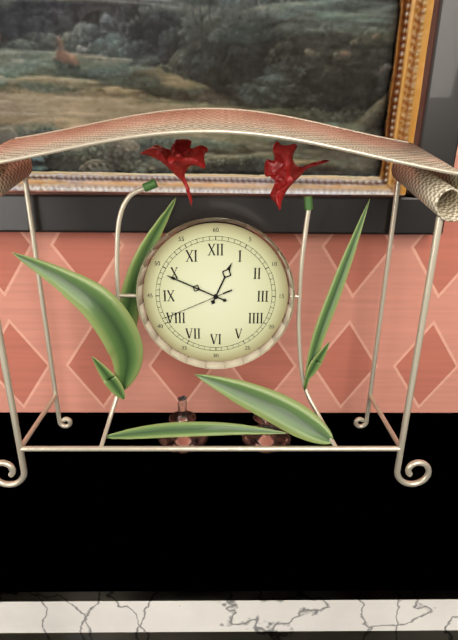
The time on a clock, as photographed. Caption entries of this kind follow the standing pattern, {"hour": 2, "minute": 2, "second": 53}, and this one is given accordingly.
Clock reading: {"hour": 12, "minute": 49, "second": 41}
